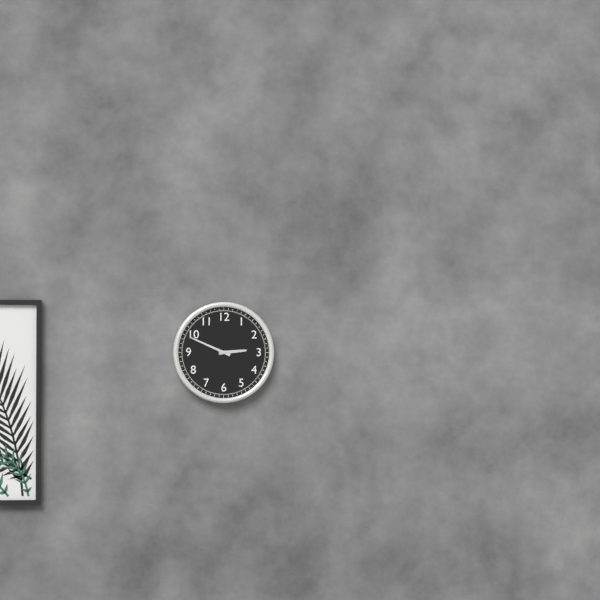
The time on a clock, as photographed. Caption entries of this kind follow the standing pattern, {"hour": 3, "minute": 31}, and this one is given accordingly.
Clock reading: {"hour": 2, "minute": 49}
